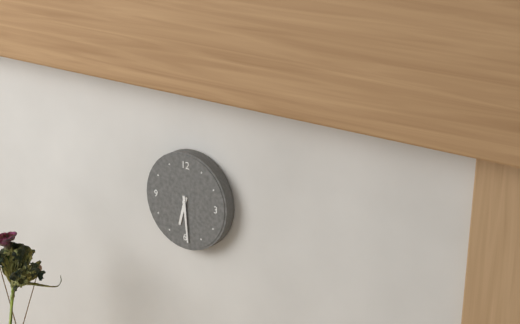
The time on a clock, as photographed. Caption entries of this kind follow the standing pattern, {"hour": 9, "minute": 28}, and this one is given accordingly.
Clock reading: {"hour": 6, "minute": 29}
